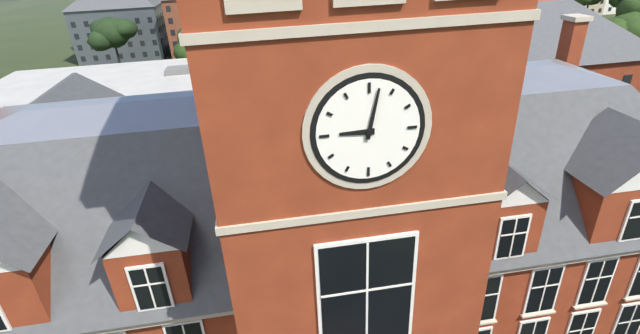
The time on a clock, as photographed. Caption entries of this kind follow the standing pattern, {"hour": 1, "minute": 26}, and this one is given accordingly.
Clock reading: {"hour": 9, "minute": 2}
